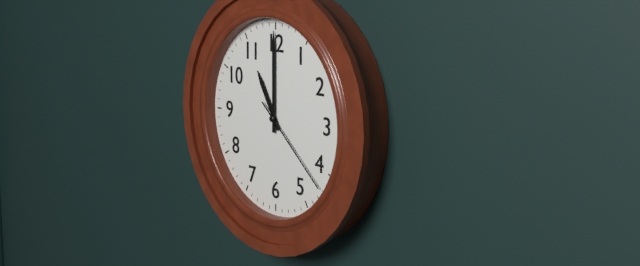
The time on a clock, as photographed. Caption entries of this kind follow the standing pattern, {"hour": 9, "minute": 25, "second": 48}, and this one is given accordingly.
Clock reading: {"hour": 11, "minute": 0, "second": 22}
